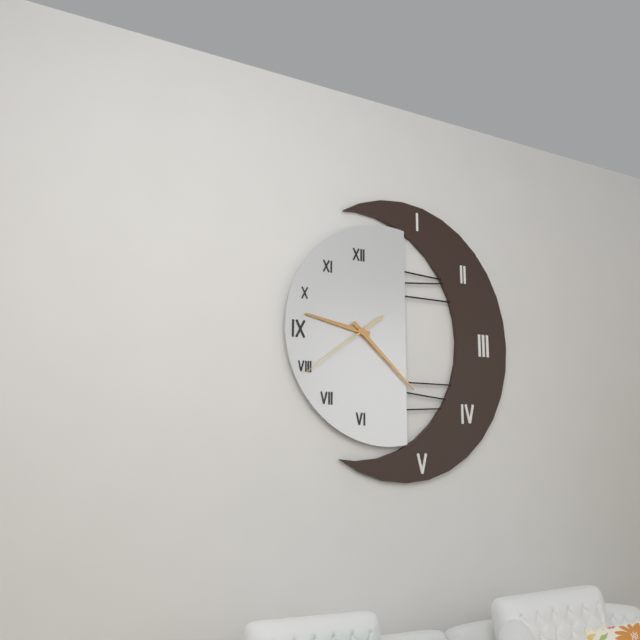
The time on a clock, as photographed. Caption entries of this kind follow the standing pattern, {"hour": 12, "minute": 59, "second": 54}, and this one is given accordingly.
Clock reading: {"hour": 9, "minute": 22, "second": 39}
